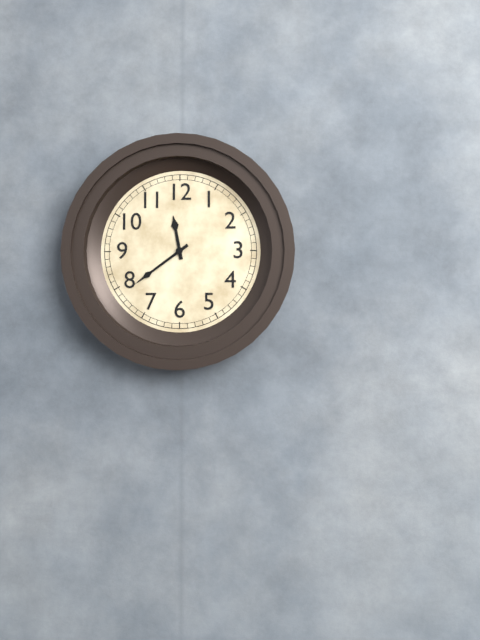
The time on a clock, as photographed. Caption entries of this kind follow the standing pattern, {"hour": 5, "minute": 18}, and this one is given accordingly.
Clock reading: {"hour": 11, "minute": 39}
